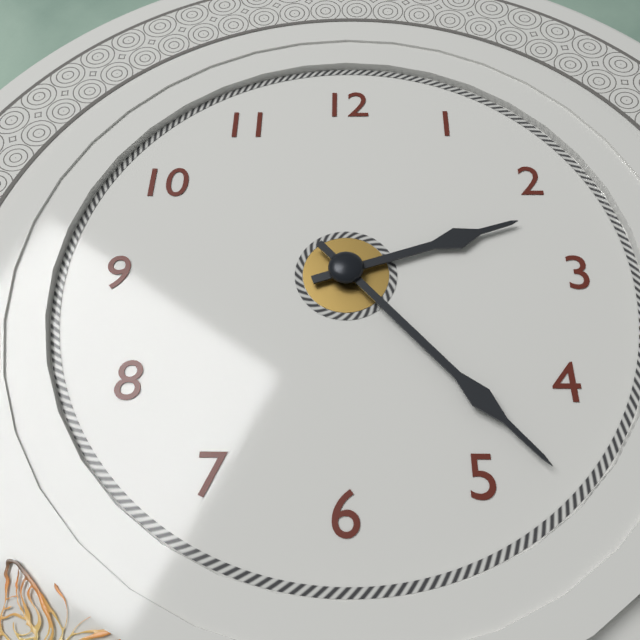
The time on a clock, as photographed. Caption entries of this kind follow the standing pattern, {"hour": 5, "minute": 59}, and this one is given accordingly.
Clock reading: {"hour": 2, "minute": 23}
